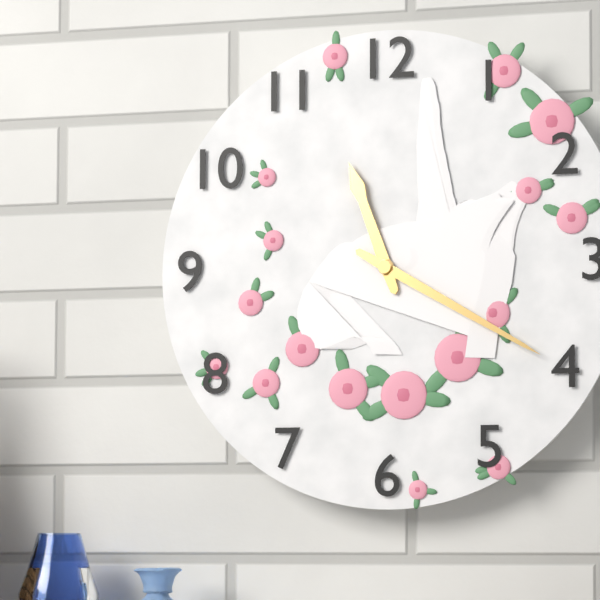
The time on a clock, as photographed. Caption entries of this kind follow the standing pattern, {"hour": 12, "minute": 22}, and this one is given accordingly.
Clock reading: {"hour": 11, "minute": 20}
